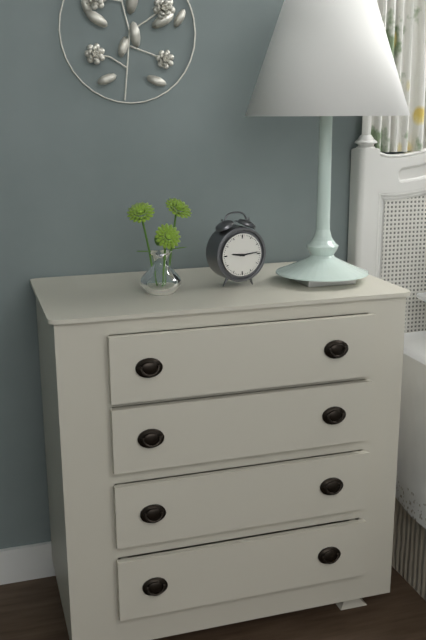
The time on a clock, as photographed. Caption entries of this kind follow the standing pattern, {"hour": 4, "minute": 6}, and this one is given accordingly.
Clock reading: {"hour": 9, "minute": 14}
